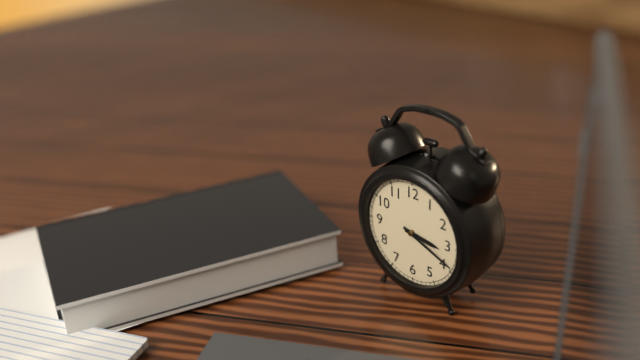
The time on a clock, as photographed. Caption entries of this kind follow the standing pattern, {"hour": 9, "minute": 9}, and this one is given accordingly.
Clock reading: {"hour": 3, "minute": 19}
